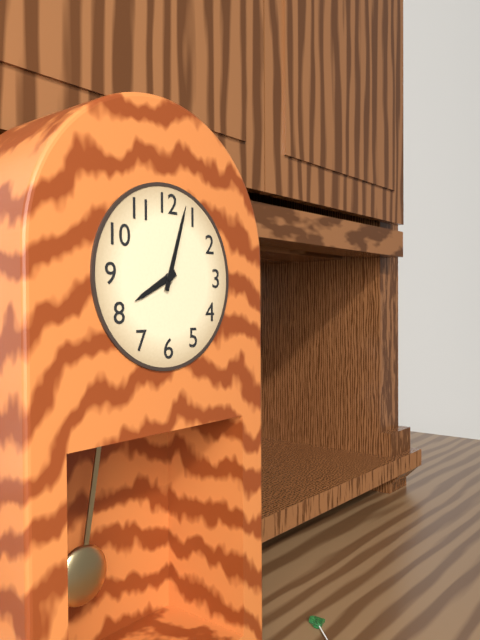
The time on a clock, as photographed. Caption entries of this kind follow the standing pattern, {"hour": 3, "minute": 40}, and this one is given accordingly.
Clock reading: {"hour": 8, "minute": 3}
